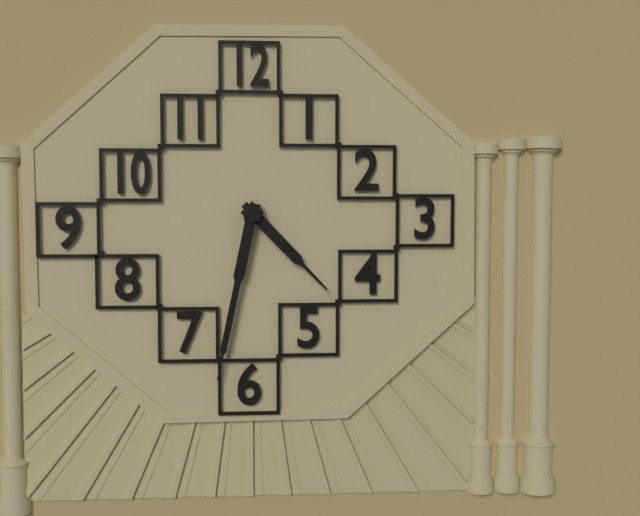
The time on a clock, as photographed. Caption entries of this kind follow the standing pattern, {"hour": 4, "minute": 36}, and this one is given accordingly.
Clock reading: {"hour": 4, "minute": 32}
